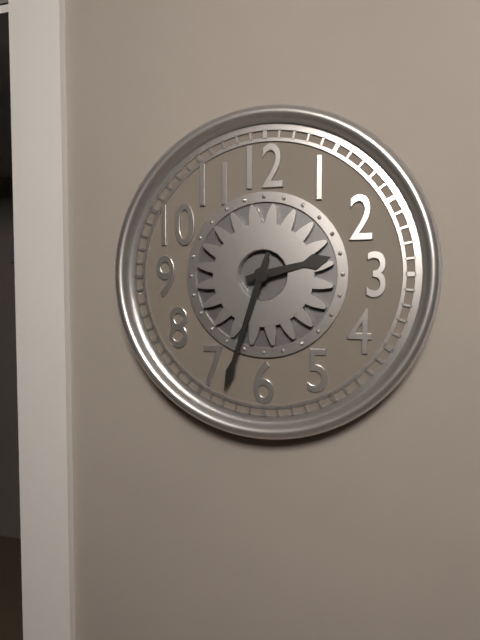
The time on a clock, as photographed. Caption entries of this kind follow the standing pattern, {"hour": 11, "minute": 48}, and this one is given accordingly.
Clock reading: {"hour": 2, "minute": 33}
